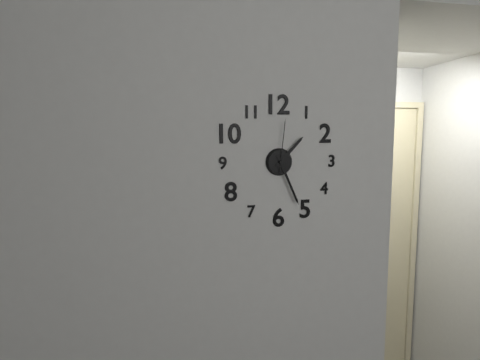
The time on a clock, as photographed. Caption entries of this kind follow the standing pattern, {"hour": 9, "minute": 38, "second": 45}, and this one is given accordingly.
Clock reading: {"hour": 1, "minute": 26, "second": 1}
